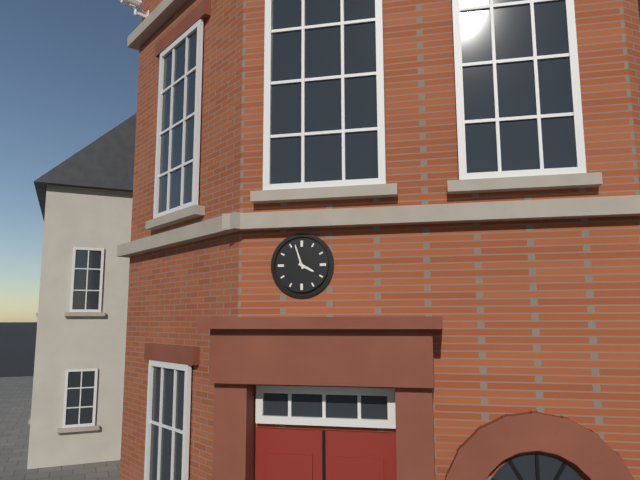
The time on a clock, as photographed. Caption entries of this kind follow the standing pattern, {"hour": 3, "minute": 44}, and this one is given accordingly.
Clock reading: {"hour": 3, "minute": 57}
